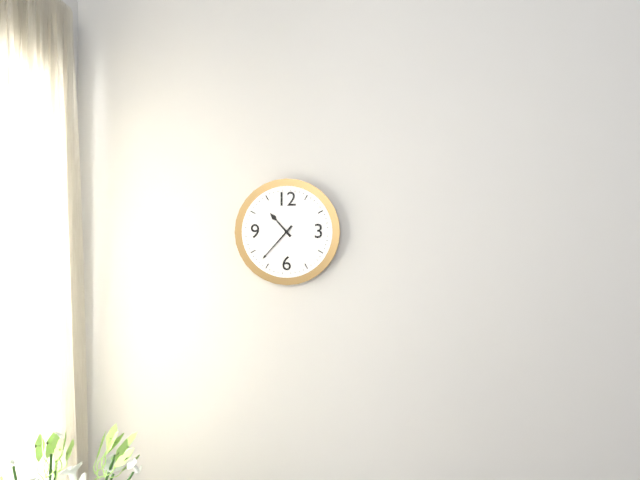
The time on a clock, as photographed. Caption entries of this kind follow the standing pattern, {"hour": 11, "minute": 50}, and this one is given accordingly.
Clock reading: {"hour": 10, "minute": 37}
